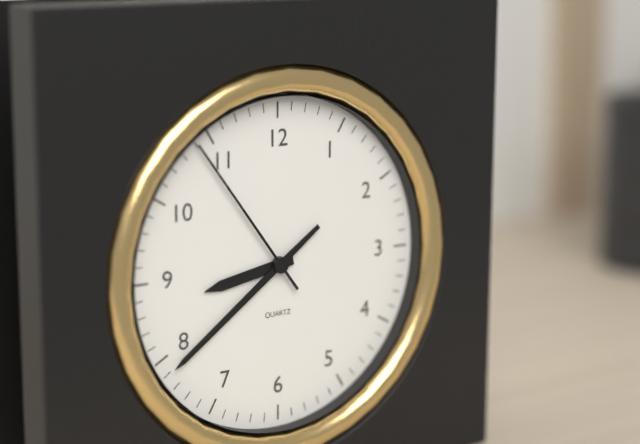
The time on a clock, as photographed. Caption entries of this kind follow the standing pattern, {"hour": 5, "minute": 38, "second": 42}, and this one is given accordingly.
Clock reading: {"hour": 8, "minute": 39, "second": 54}
